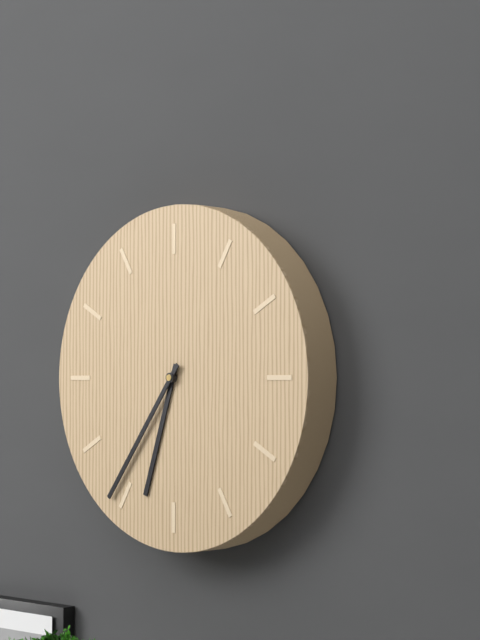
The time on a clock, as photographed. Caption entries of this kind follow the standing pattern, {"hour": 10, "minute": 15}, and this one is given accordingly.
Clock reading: {"hour": 6, "minute": 36}
